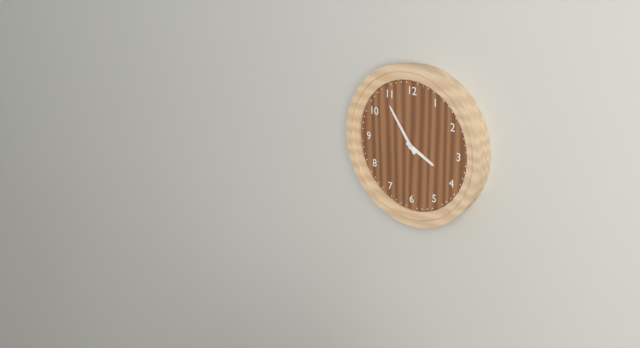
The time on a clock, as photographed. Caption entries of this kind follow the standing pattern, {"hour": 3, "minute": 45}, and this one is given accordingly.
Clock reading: {"hour": 3, "minute": 54}
